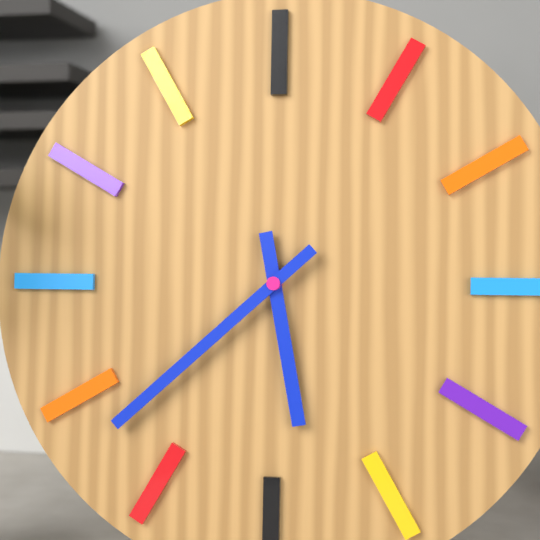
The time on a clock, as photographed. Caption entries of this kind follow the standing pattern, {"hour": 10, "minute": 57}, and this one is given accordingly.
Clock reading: {"hour": 5, "minute": 38}
